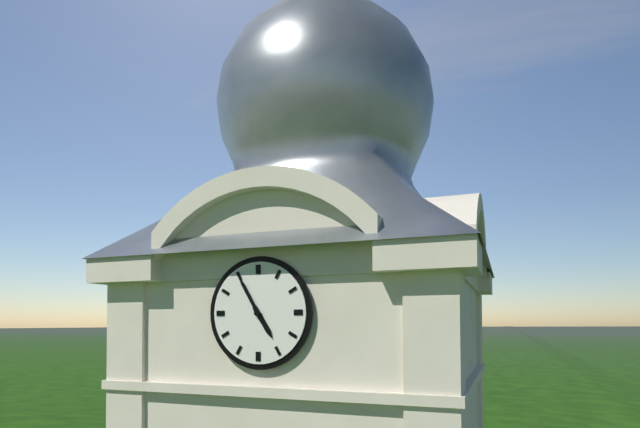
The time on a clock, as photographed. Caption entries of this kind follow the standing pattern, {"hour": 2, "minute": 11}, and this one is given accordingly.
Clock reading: {"hour": 4, "minute": 55}
